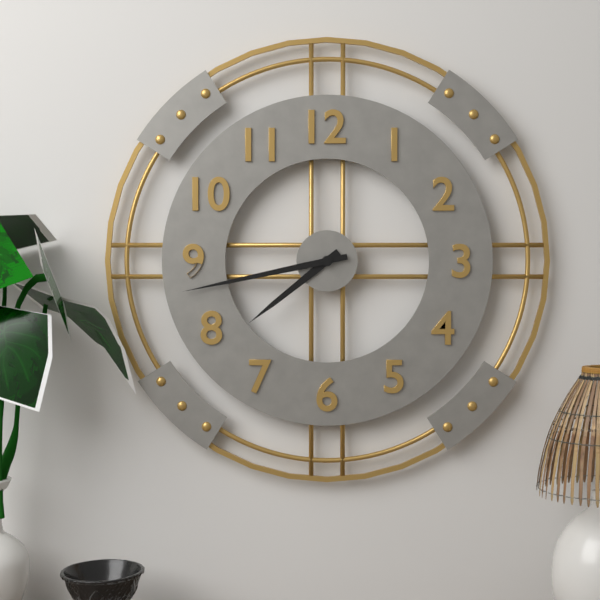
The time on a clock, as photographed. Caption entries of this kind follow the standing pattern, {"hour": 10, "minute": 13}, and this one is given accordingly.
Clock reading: {"hour": 7, "minute": 43}
